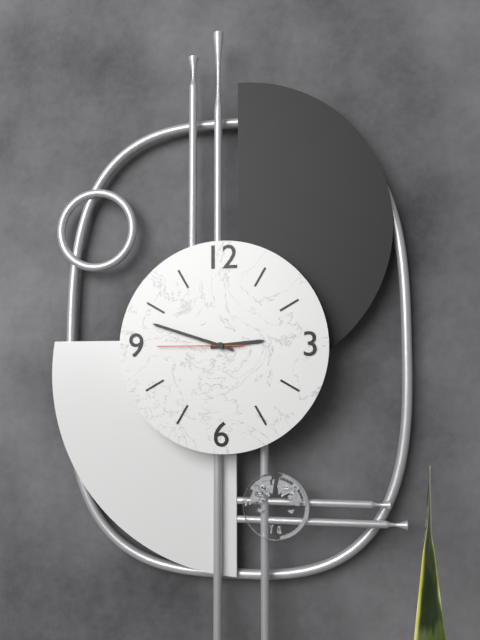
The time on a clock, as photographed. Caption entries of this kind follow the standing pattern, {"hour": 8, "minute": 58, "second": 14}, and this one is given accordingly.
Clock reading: {"hour": 2, "minute": 48, "second": 45}
